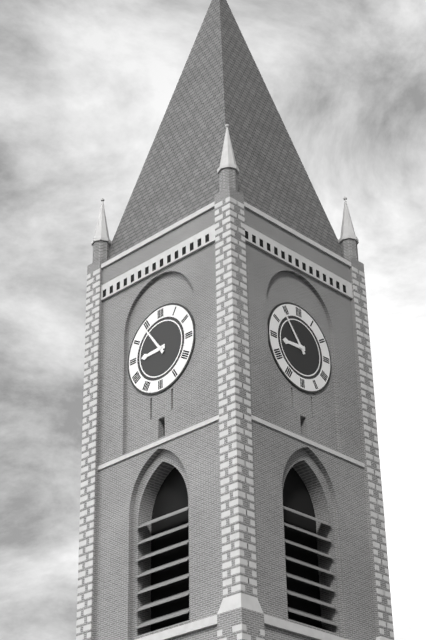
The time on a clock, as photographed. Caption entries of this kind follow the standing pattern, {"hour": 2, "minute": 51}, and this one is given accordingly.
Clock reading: {"hour": 8, "minute": 54}
